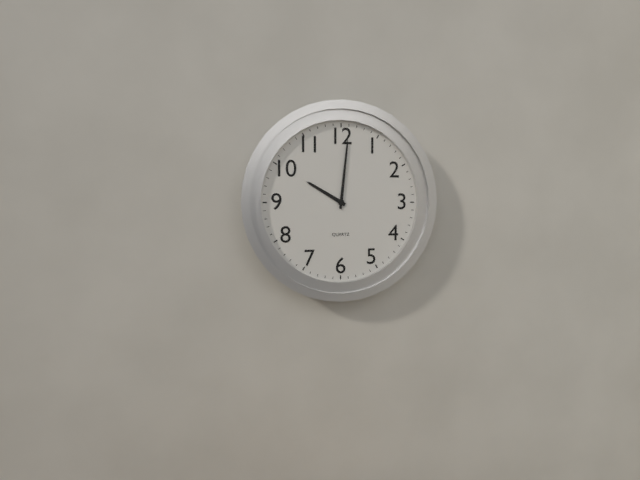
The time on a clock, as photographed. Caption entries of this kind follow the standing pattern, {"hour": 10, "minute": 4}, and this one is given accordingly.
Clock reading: {"hour": 10, "minute": 1}
